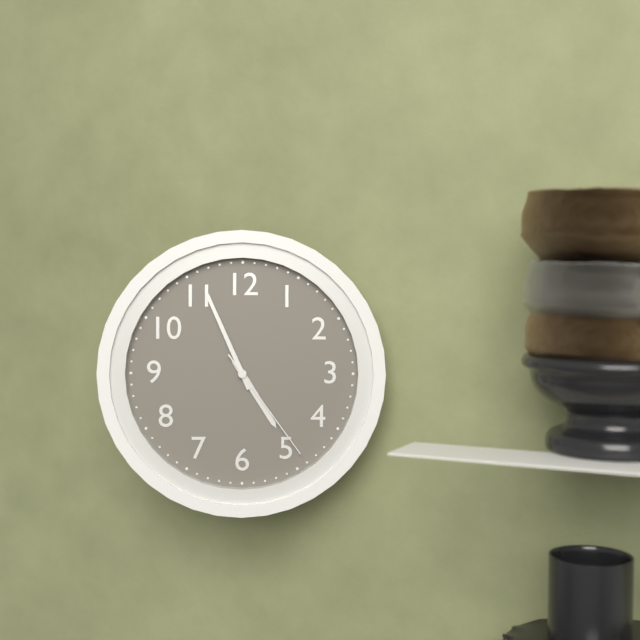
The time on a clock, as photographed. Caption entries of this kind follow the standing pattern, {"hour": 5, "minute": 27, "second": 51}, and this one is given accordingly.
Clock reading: {"hour": 4, "minute": 56, "second": 24}
